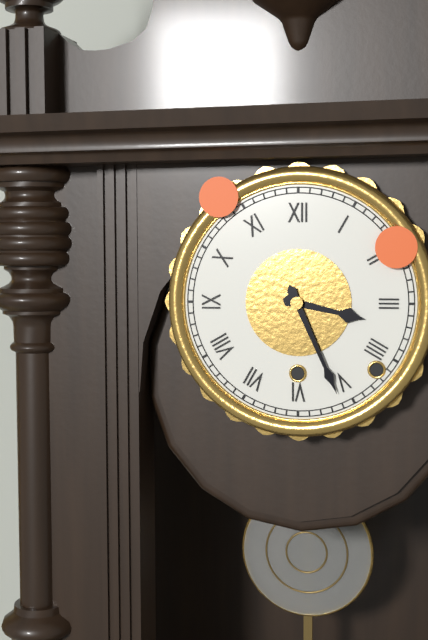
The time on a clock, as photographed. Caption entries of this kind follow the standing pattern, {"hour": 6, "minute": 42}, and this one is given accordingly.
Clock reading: {"hour": 3, "minute": 26}
